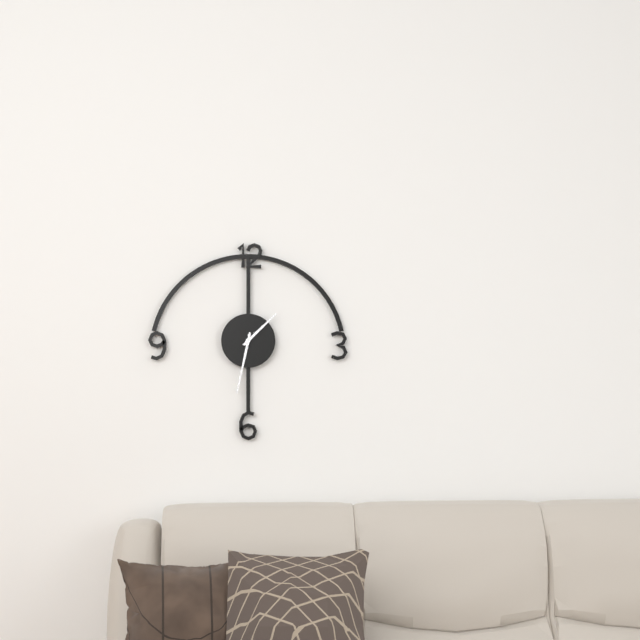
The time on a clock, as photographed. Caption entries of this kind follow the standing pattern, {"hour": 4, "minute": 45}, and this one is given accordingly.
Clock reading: {"hour": 1, "minute": 32}
